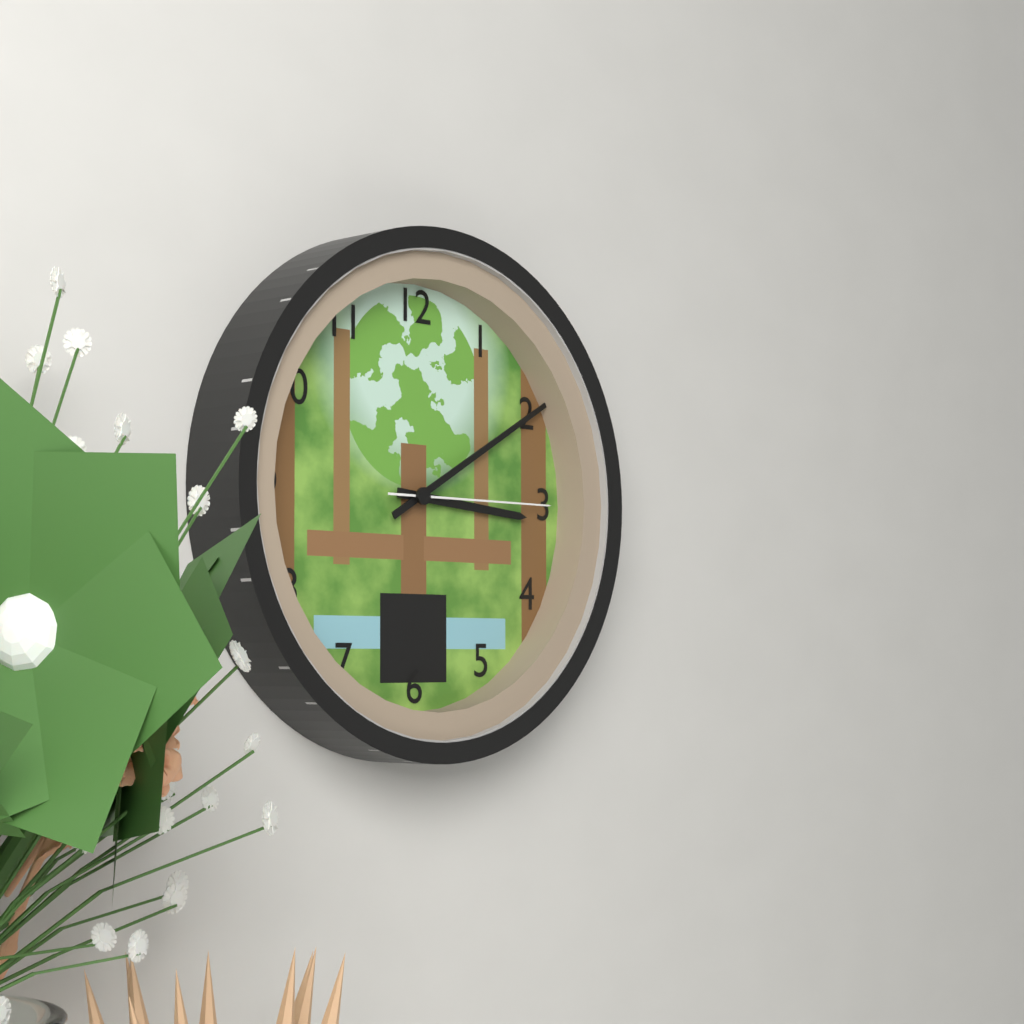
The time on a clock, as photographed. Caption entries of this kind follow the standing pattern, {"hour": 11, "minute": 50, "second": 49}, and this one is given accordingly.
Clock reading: {"hour": 3, "minute": 10, "second": 15}
